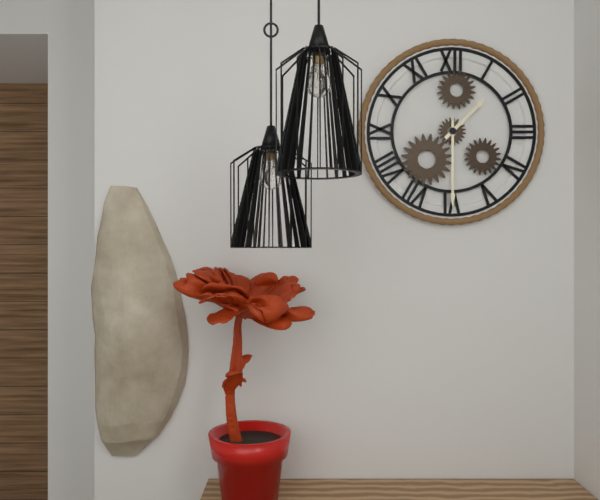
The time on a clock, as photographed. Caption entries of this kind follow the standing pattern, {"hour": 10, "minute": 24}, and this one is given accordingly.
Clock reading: {"hour": 1, "minute": 30}
